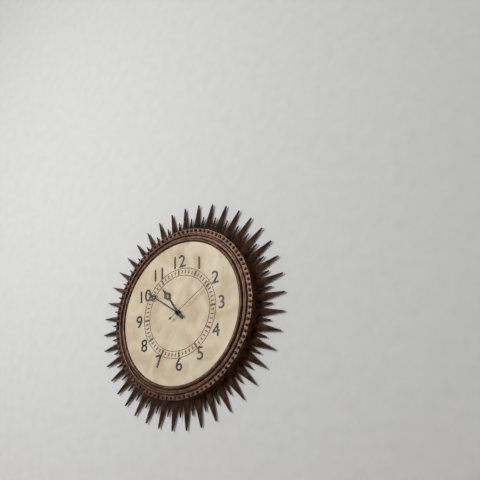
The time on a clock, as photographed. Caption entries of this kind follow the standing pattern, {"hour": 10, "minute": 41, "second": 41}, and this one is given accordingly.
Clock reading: {"hour": 10, "minute": 51, "second": 10}
